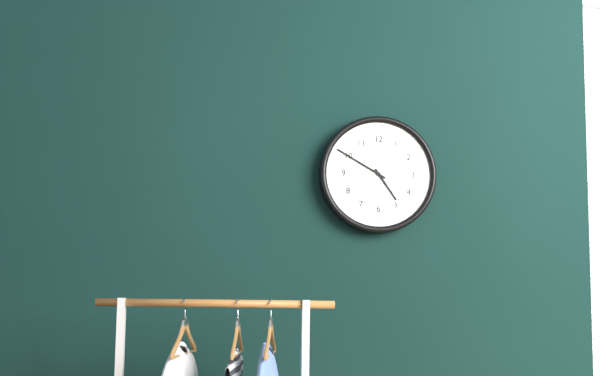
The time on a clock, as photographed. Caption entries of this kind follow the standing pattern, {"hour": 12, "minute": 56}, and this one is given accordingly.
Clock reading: {"hour": 4, "minute": 50}
